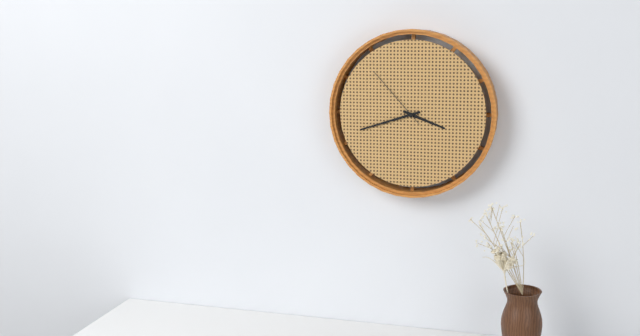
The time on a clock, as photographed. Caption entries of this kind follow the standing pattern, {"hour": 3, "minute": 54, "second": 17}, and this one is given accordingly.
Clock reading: {"hour": 3, "minute": 42, "second": 53}
